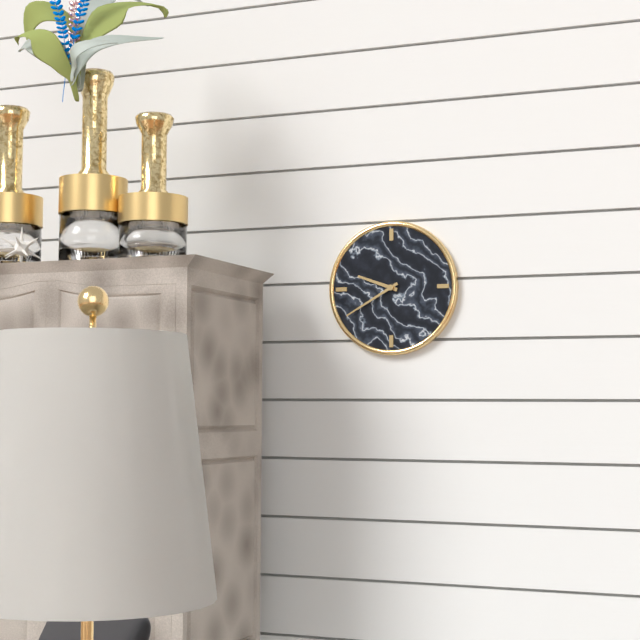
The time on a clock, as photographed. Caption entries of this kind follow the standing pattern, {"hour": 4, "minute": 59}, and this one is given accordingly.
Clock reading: {"hour": 9, "minute": 40}
